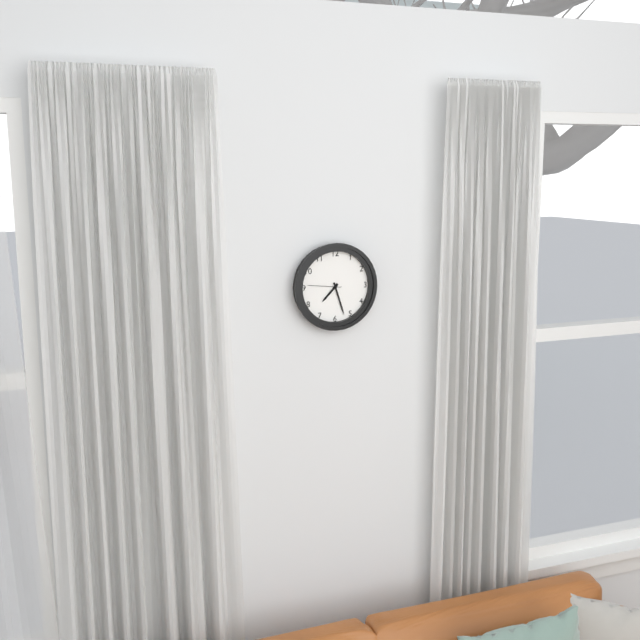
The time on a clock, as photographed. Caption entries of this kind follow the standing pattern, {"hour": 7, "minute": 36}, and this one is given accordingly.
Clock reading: {"hour": 7, "minute": 27}
